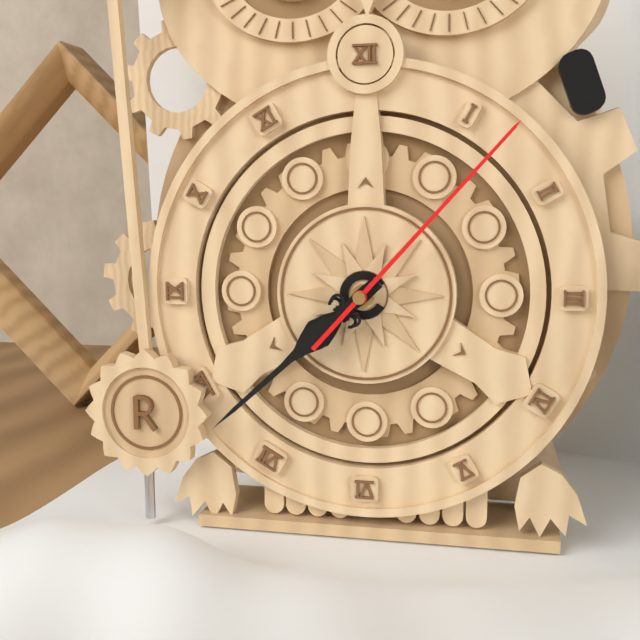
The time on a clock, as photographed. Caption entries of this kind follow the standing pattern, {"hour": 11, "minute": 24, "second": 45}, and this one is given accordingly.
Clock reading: {"hour": 7, "minute": 38, "second": 7}
